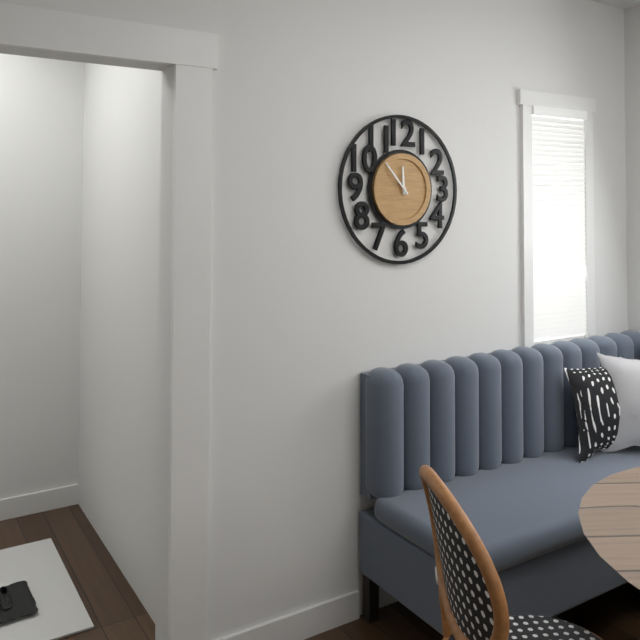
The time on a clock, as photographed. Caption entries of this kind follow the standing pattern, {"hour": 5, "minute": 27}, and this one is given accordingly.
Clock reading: {"hour": 11, "minute": 53}
